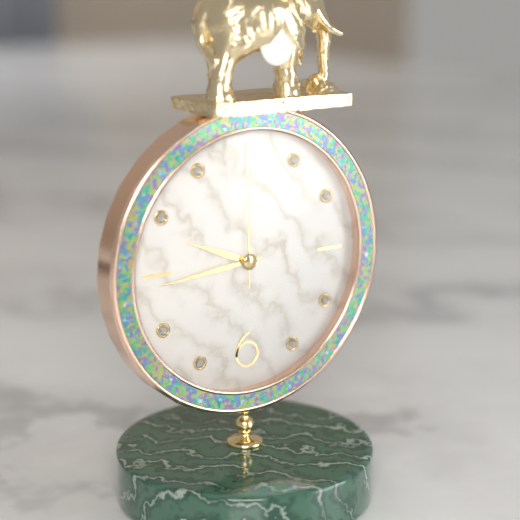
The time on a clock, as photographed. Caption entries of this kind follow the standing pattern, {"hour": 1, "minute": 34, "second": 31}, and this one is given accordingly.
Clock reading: {"hour": 9, "minute": 44, "second": 0}
